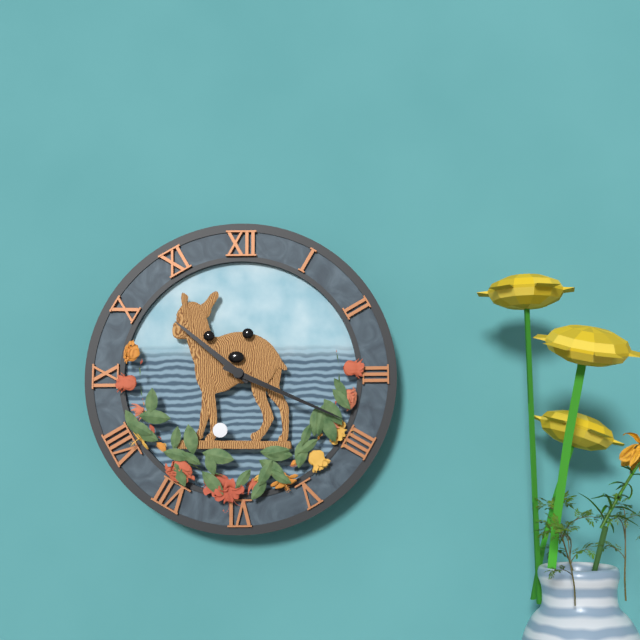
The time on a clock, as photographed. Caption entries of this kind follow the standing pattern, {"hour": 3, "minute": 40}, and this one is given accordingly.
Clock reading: {"hour": 10, "minute": 19}
